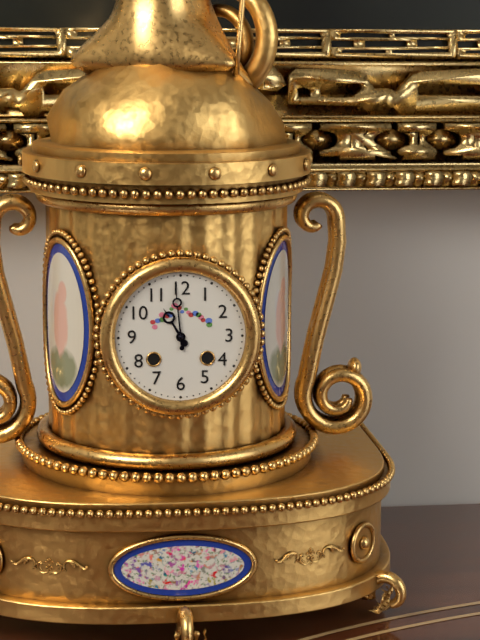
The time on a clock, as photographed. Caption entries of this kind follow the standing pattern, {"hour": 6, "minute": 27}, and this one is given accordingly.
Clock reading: {"hour": 10, "minute": 59}
